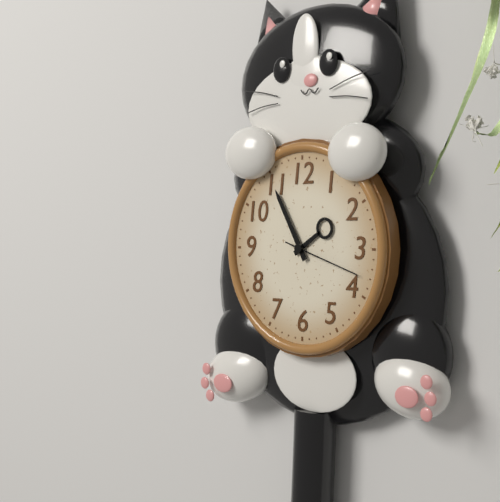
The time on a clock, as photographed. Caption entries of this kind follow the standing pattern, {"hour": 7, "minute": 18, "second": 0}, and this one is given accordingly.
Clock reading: {"hour": 1, "minute": 55, "second": 18}
